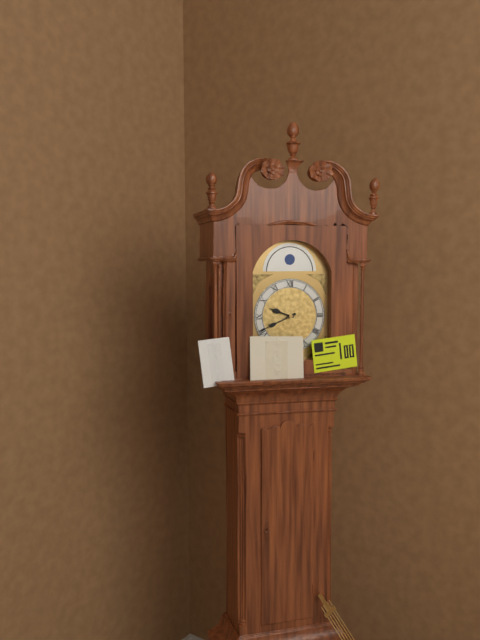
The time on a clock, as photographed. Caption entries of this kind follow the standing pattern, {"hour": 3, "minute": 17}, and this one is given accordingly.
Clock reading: {"hour": 9, "minute": 41}
